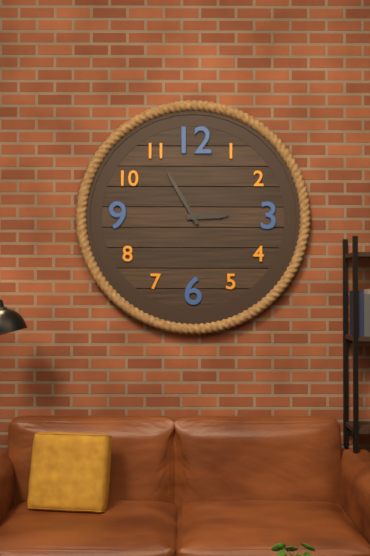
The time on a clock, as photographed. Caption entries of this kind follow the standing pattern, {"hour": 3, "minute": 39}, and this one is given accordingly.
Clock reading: {"hour": 2, "minute": 55}
